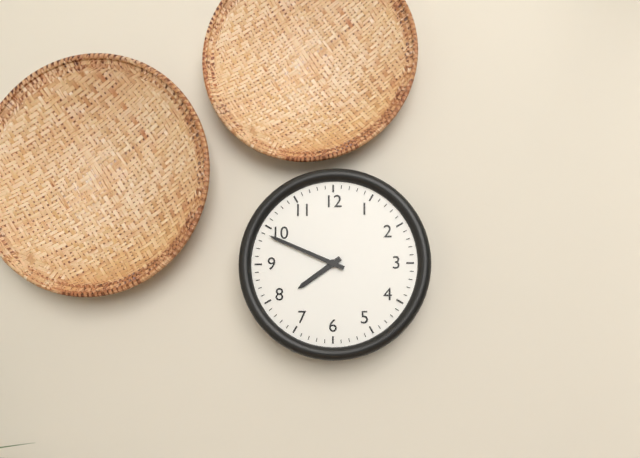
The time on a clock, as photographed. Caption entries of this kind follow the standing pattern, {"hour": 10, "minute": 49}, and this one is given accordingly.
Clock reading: {"hour": 7, "minute": 49}
